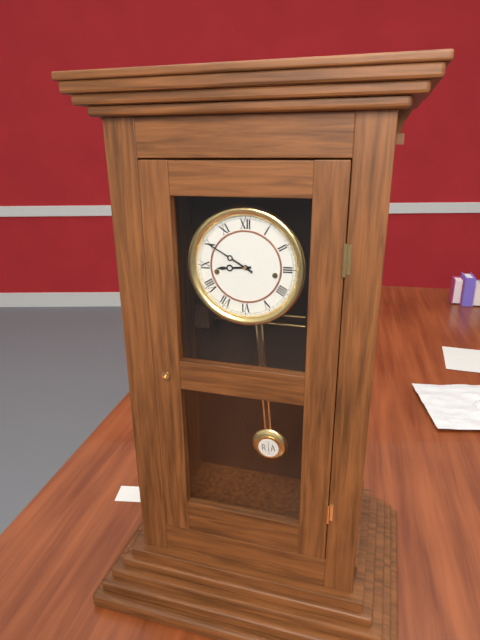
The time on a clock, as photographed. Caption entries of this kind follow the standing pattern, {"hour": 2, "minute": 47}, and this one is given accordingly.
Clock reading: {"hour": 8, "minute": 50}
